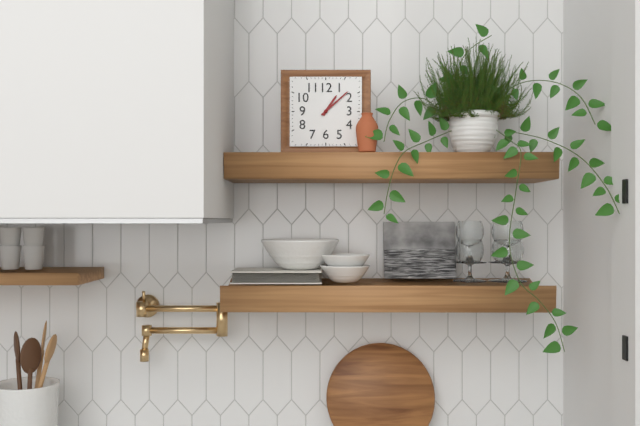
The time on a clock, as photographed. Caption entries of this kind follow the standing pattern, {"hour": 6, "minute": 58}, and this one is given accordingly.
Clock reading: {"hour": 1, "minute": 8}
